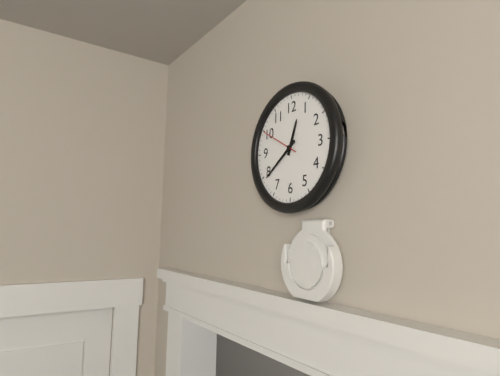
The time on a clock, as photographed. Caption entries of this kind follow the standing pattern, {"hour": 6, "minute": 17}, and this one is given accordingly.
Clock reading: {"hour": 12, "minute": 39}
